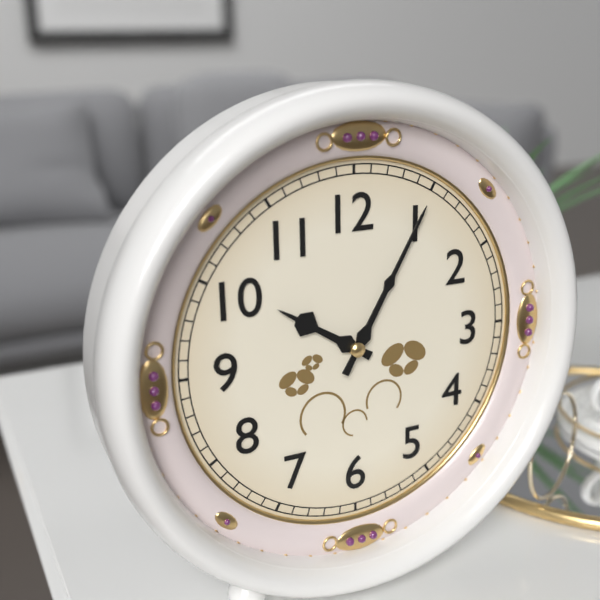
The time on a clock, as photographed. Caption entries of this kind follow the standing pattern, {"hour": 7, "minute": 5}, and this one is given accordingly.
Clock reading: {"hour": 10, "minute": 5}
